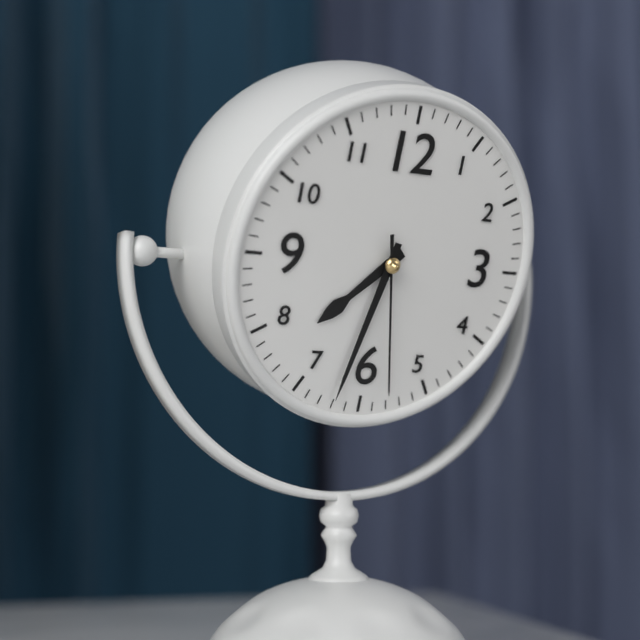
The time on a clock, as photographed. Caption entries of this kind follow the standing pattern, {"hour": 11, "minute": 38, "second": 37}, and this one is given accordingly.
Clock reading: {"hour": 7, "minute": 32, "second": 28}
